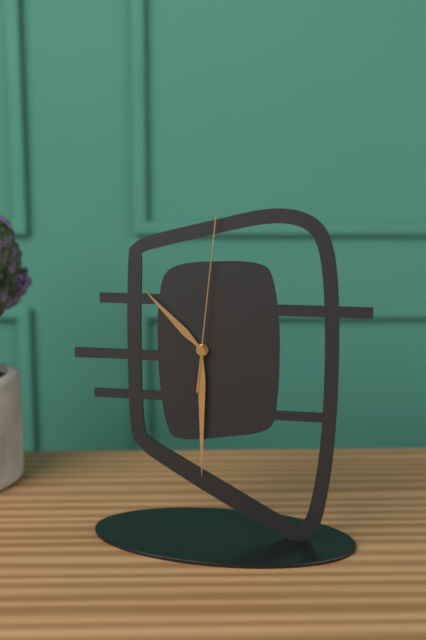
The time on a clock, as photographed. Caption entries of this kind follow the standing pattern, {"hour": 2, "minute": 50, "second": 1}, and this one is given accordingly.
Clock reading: {"hour": 10, "minute": 30, "second": 1}
